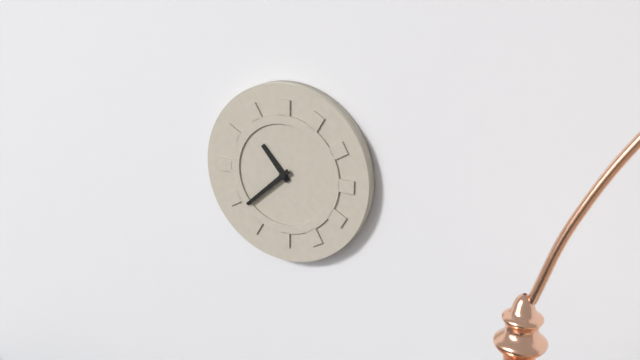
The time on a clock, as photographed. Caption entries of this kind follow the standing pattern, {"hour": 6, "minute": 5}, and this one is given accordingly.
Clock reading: {"hour": 10, "minute": 38}
